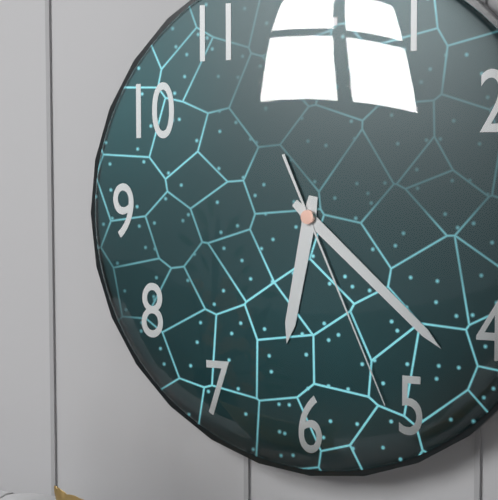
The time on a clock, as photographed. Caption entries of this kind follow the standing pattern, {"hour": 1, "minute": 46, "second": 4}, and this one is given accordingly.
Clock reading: {"hour": 6, "minute": 22, "second": 26}
